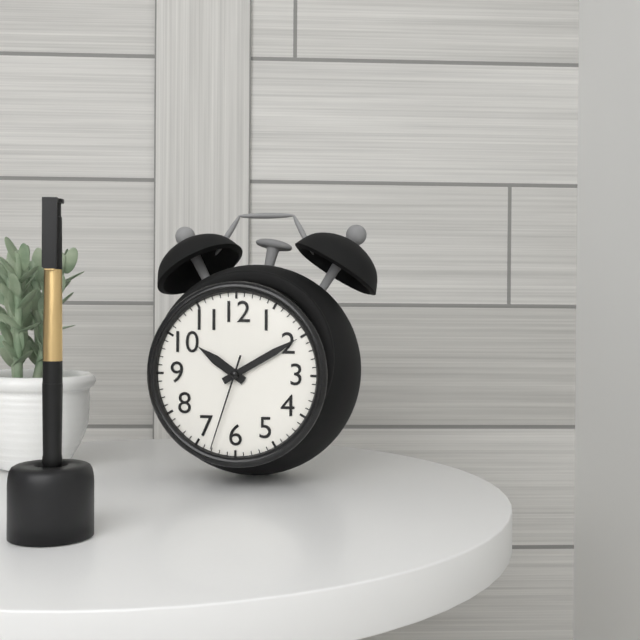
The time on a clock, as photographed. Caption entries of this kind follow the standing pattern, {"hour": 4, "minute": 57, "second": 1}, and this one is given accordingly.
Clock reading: {"hour": 10, "minute": 10, "second": 33}
